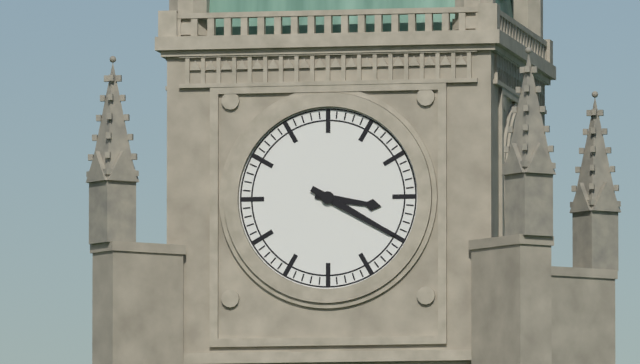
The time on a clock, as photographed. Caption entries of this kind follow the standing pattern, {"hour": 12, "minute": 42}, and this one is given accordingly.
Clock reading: {"hour": 3, "minute": 20}
